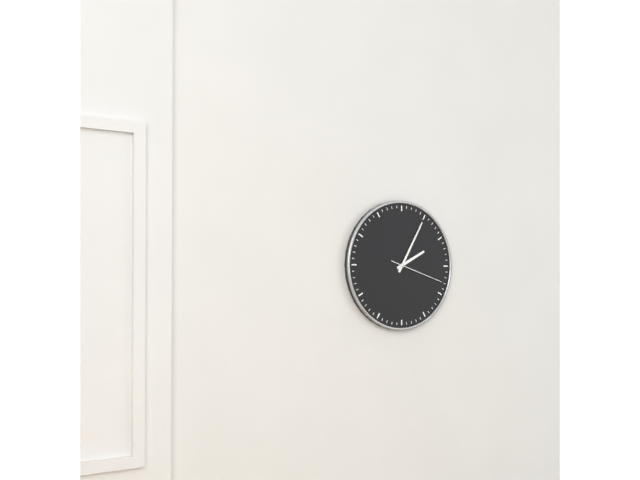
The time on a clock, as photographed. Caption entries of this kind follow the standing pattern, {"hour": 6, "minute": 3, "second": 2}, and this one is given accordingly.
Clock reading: {"hour": 2, "minute": 5, "second": 18}
